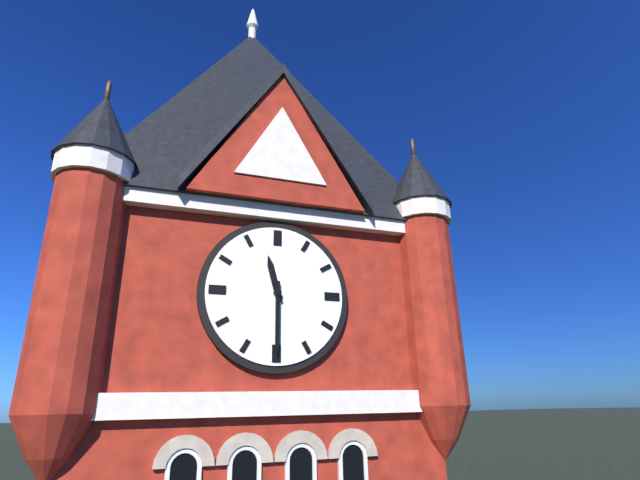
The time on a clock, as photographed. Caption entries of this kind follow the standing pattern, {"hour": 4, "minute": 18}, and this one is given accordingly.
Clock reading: {"hour": 11, "minute": 30}
